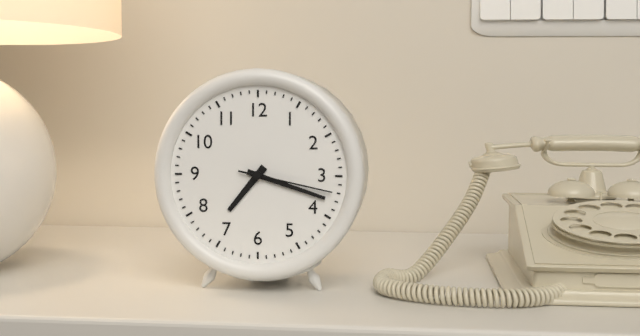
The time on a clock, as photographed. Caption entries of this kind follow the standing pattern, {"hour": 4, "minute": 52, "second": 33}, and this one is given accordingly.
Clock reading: {"hour": 7, "minute": 18, "second": 17}
